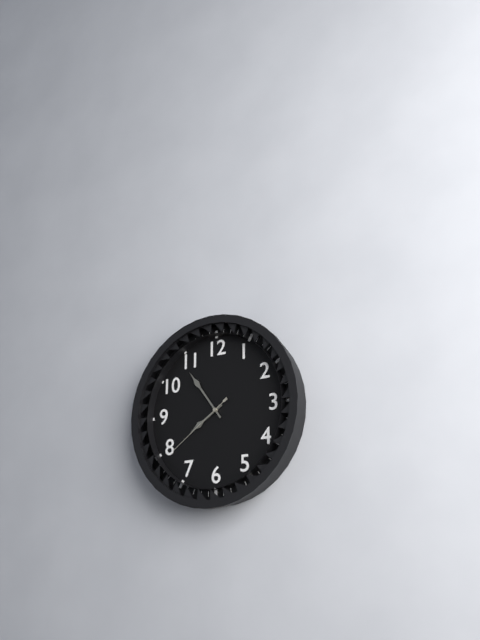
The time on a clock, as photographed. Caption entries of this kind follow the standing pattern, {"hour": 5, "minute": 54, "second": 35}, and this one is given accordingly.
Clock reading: {"hour": 7, "minute": 54, "second": 39}
